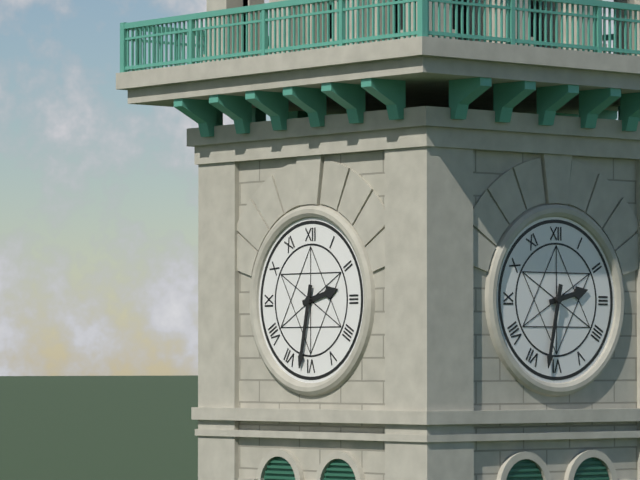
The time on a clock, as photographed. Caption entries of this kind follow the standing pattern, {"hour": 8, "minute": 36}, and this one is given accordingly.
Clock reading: {"hour": 2, "minute": 32}
